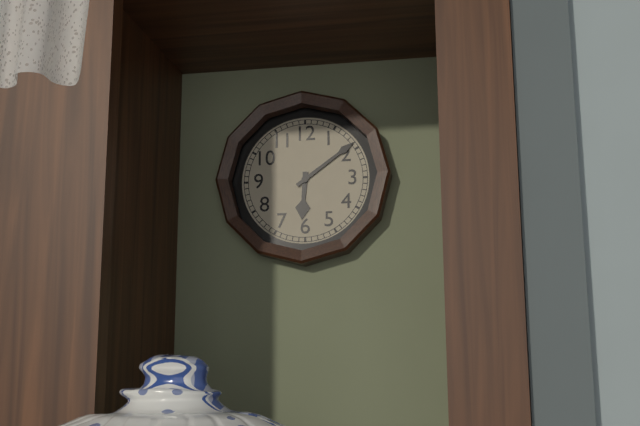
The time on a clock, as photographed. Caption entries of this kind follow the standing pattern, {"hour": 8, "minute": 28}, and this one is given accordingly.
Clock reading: {"hour": 6, "minute": 9}
